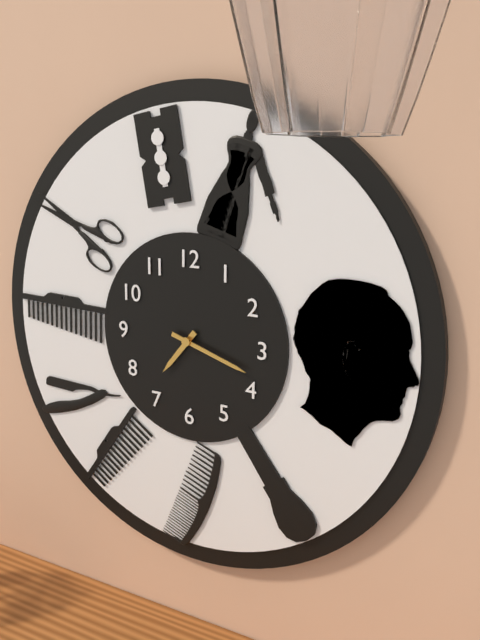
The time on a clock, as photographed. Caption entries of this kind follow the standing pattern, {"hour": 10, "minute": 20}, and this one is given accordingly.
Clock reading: {"hour": 7, "minute": 18}
